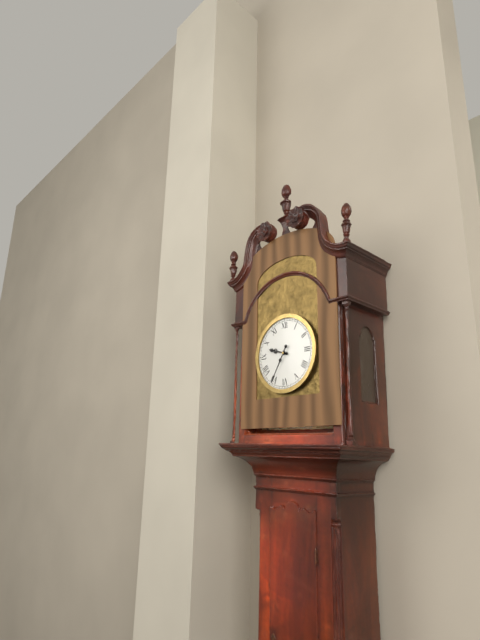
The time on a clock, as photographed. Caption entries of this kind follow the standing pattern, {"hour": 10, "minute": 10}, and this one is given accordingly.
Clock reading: {"hour": 9, "minute": 35}
